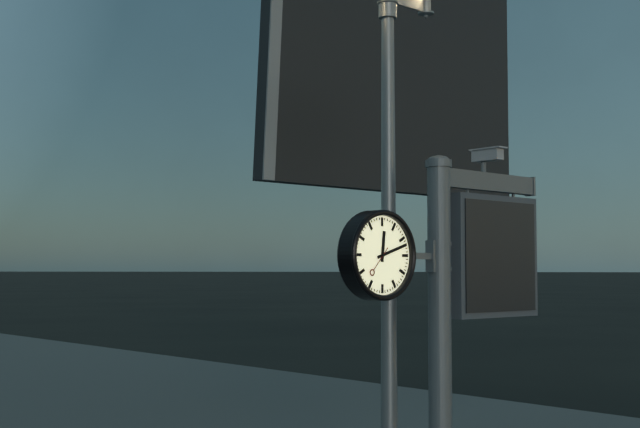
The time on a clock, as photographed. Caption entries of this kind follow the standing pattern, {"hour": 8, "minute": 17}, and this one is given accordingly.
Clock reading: {"hour": 12, "minute": 12}
